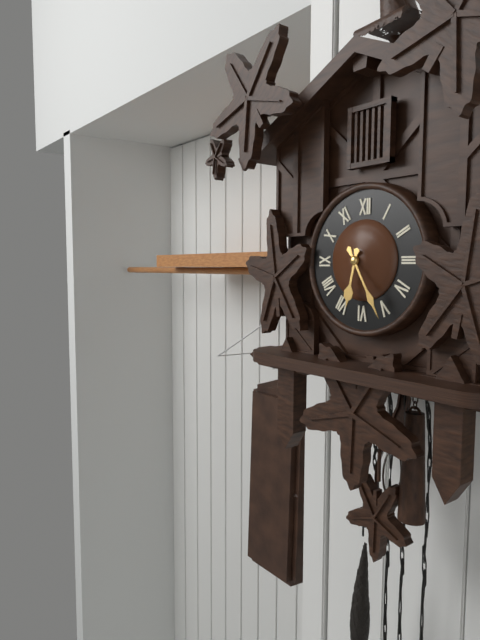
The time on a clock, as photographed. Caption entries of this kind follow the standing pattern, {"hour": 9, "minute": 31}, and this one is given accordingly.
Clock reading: {"hour": 6, "minute": 25}
